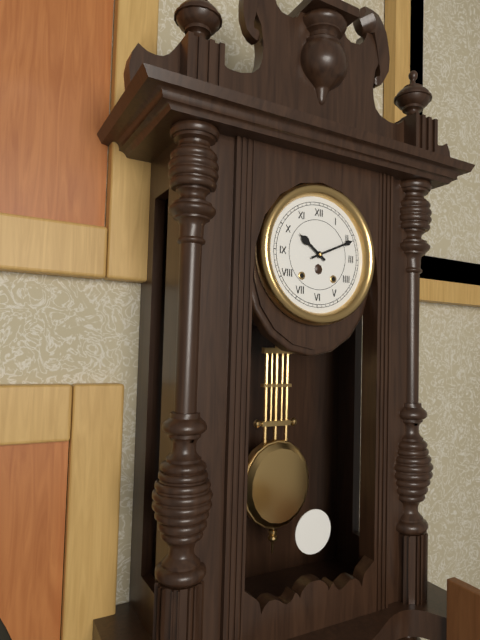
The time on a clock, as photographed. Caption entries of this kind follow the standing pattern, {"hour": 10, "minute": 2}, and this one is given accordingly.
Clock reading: {"hour": 10, "minute": 11}
